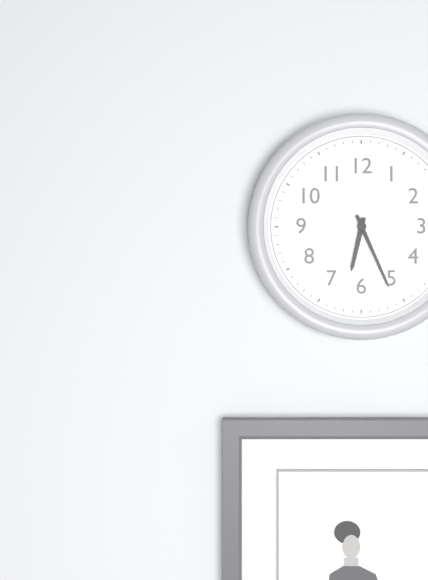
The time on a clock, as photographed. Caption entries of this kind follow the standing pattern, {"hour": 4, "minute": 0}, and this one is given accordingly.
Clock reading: {"hour": 6, "minute": 26}
